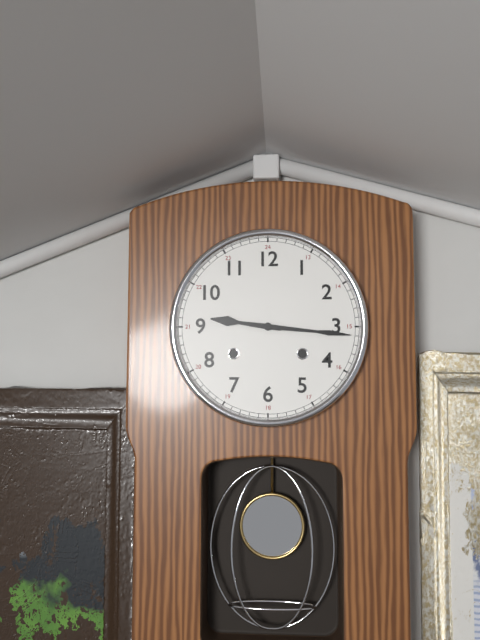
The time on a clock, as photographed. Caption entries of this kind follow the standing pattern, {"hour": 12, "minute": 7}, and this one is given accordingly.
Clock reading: {"hour": 9, "minute": 16}
